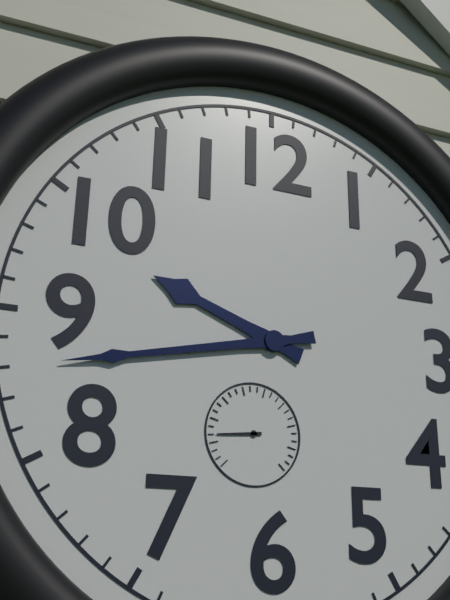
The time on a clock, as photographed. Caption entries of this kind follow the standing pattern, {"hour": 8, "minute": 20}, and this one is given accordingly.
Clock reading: {"hour": 9, "minute": 43}
